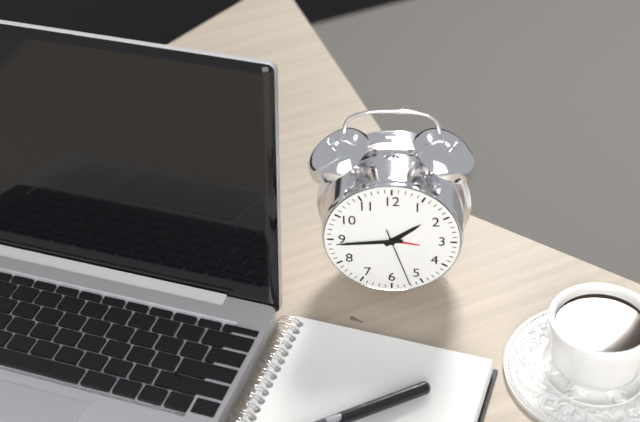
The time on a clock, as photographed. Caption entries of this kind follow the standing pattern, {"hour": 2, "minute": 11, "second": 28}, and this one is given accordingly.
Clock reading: {"hour": 1, "minute": 44, "second": 27}
